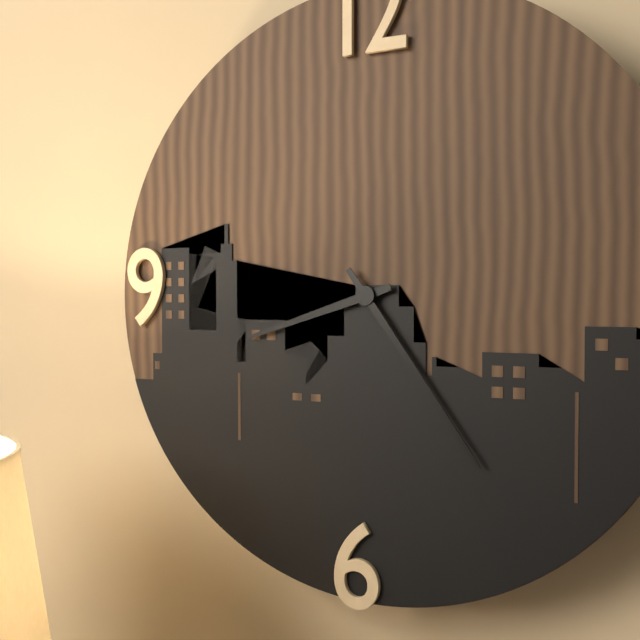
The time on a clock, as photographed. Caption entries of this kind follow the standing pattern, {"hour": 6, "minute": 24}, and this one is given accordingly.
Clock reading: {"hour": 8, "minute": 24}
